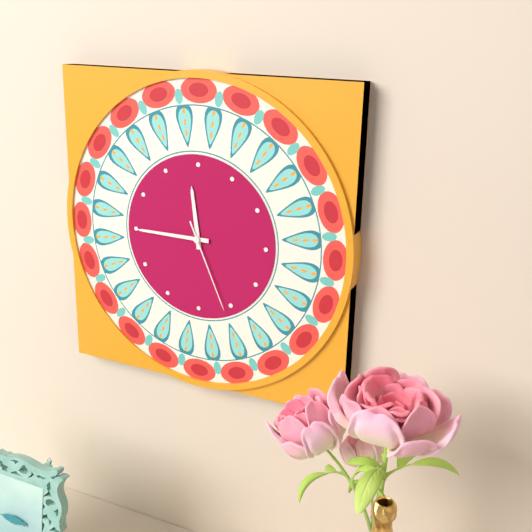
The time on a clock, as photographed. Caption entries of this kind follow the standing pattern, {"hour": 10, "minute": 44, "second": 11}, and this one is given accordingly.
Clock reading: {"hour": 11, "minute": 45, "second": 26}
